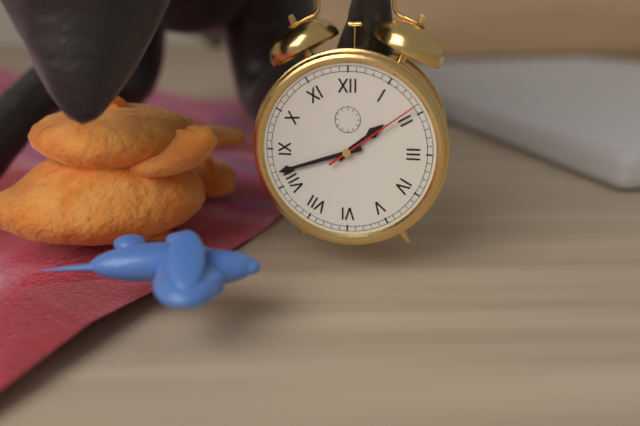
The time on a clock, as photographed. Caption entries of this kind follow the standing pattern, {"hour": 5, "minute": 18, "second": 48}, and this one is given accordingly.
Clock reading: {"hour": 1, "minute": 42, "second": 9}
